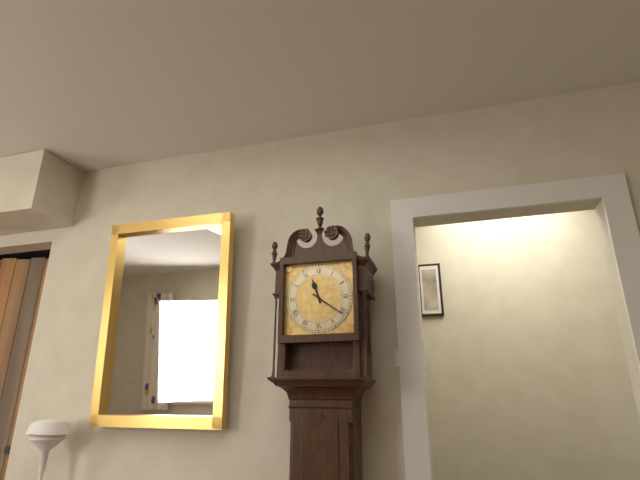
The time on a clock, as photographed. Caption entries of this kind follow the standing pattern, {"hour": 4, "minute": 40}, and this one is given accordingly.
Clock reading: {"hour": 11, "minute": 21}
